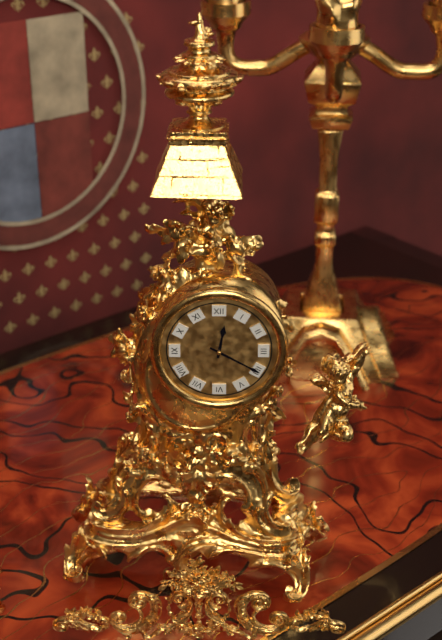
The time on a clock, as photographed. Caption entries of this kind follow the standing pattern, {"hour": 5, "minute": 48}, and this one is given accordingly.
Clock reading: {"hour": 12, "minute": 20}
